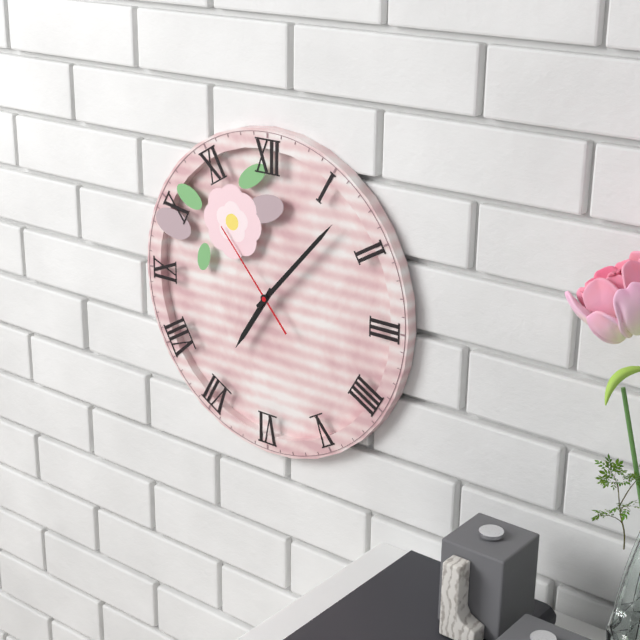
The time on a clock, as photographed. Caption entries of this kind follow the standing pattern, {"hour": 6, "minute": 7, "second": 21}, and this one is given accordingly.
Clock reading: {"hour": 7, "minute": 7, "second": 53}
